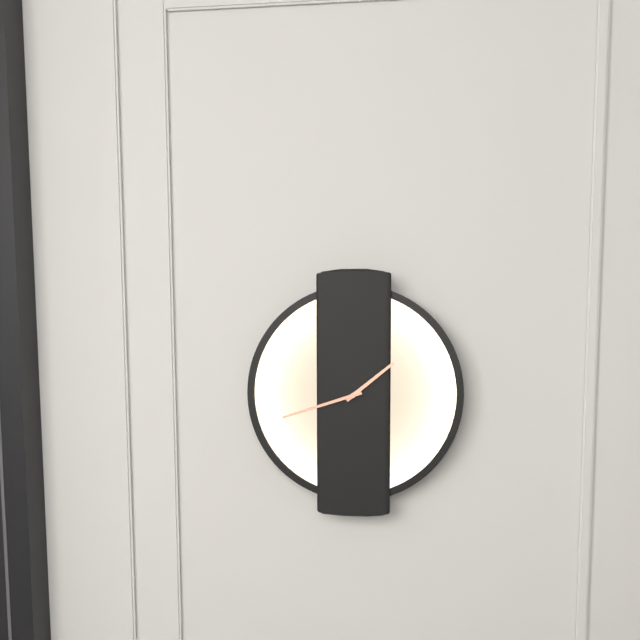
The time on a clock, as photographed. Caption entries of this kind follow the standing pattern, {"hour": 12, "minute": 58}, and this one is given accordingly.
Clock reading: {"hour": 1, "minute": 42}
